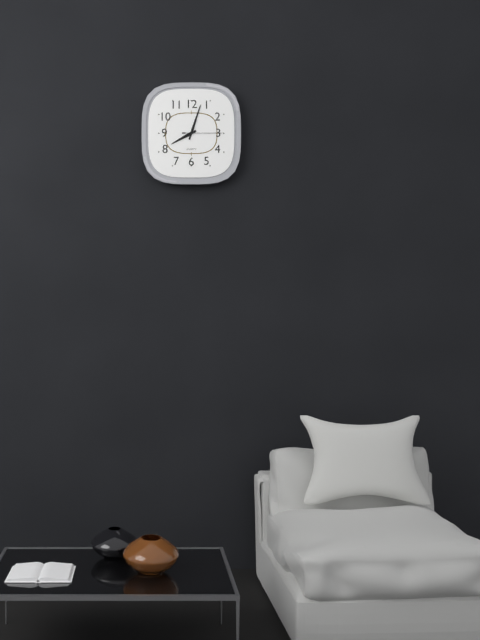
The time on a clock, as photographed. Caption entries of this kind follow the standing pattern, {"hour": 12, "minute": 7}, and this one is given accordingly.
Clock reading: {"hour": 8, "minute": 3}
